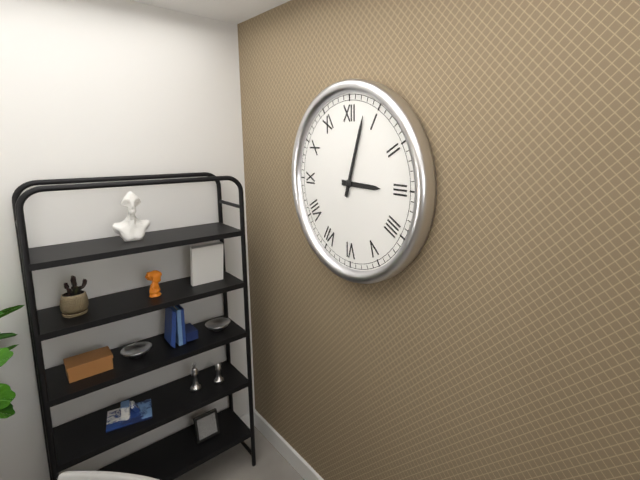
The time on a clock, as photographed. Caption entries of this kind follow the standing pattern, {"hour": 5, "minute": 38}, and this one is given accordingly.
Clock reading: {"hour": 3, "minute": 3}
